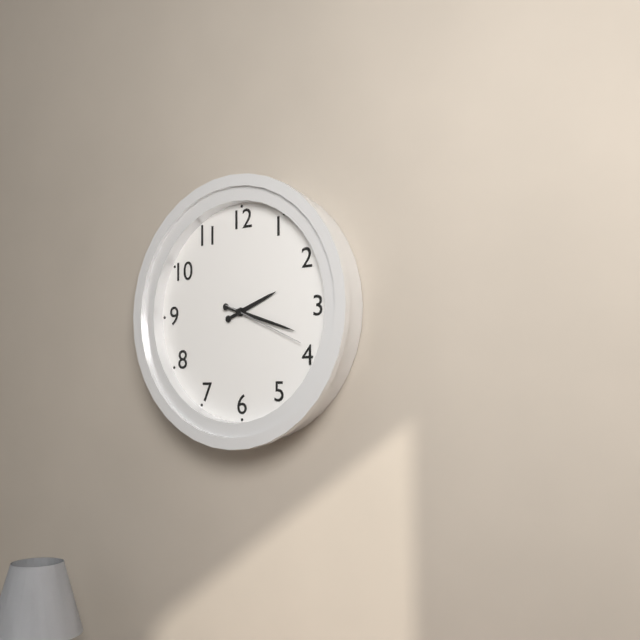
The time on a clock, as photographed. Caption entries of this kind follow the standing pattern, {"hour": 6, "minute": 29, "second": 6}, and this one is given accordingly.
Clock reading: {"hour": 2, "minute": 18, "second": 19}
